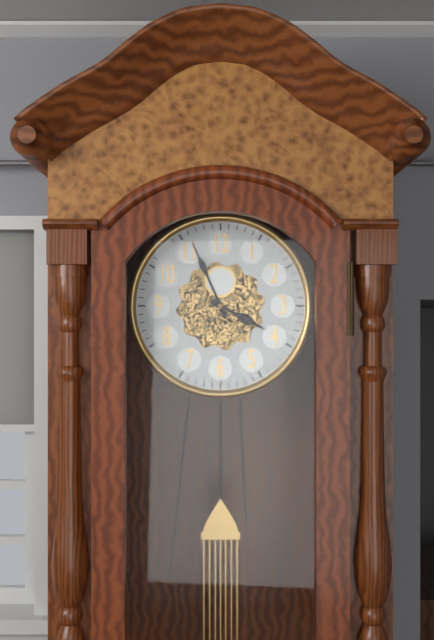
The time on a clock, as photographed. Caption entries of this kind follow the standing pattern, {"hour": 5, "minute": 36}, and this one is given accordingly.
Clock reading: {"hour": 3, "minute": 56}
